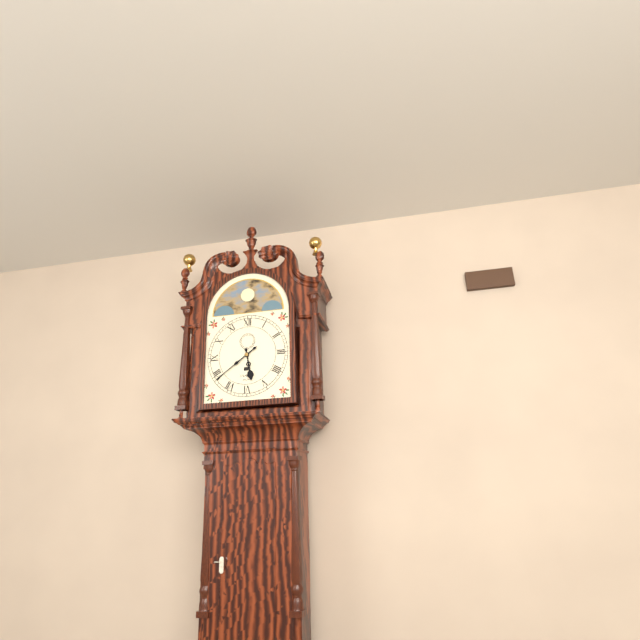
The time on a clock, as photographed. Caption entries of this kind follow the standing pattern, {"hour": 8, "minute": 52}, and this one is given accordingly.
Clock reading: {"hour": 5, "minute": 39}
